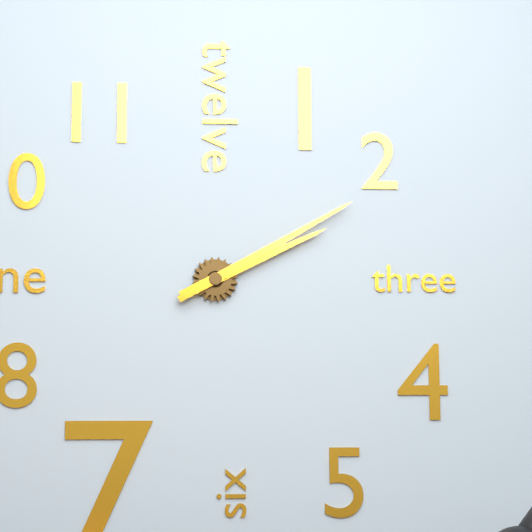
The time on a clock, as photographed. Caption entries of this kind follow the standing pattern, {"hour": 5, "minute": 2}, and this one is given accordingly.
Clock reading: {"hour": 2, "minute": 10}
